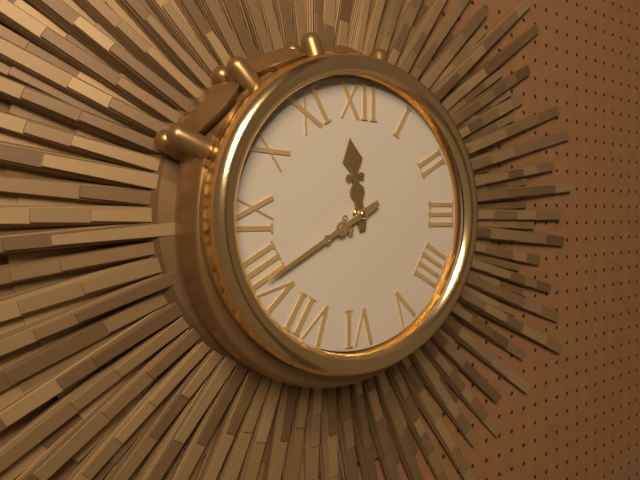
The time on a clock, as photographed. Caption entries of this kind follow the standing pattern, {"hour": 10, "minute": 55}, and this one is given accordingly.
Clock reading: {"hour": 11, "minute": 40}
